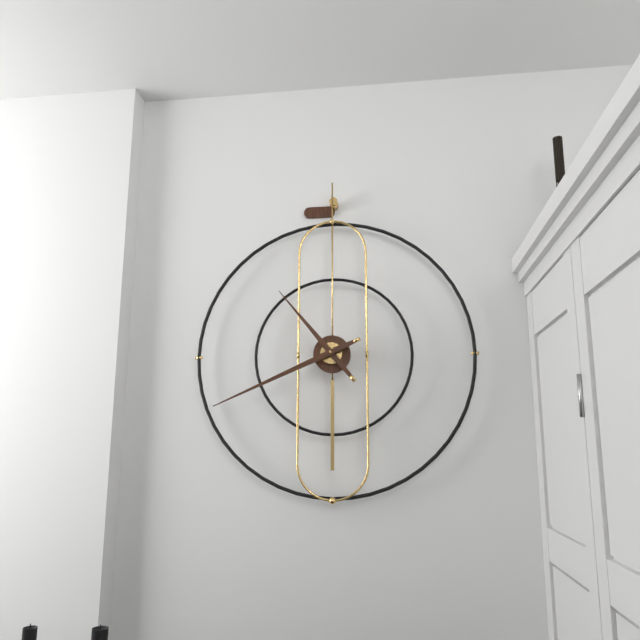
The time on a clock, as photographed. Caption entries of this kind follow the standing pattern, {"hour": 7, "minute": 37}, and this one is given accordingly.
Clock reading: {"hour": 10, "minute": 41}
